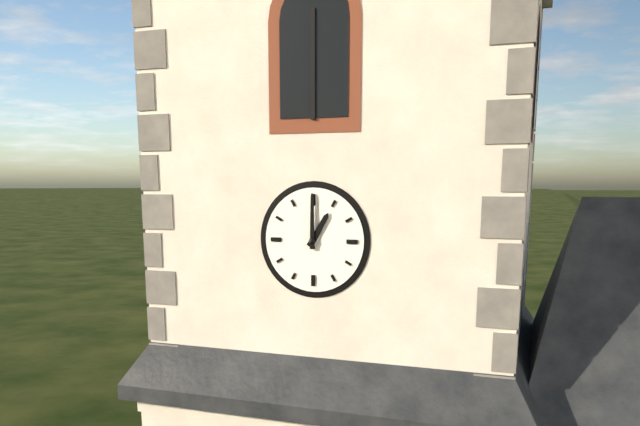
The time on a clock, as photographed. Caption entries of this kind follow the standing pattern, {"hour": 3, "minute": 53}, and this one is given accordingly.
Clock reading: {"hour": 1, "minute": 0}
